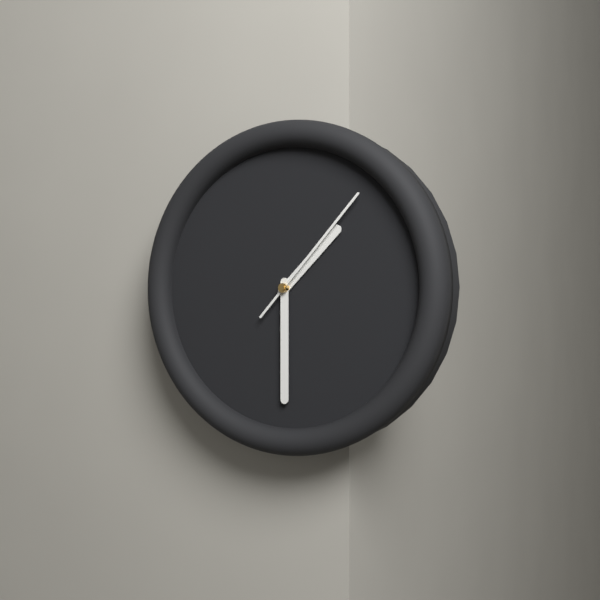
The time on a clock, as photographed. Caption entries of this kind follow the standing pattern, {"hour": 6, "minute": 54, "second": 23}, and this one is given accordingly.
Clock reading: {"hour": 1, "minute": 30, "second": 7}
